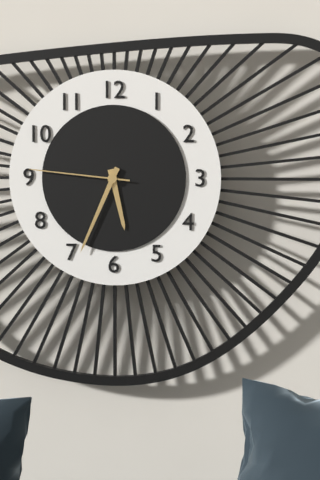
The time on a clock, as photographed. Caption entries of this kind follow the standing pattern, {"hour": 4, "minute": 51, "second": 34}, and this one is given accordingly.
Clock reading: {"hour": 5, "minute": 34, "second": 46}
